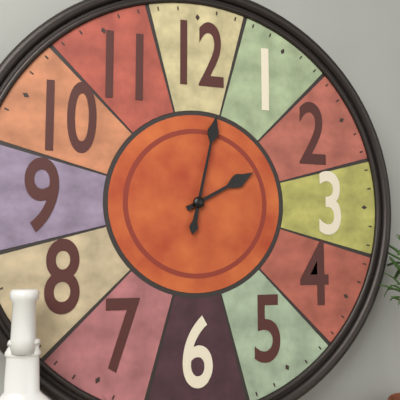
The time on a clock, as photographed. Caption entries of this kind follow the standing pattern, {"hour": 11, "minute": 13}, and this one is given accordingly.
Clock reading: {"hour": 2, "minute": 2}
